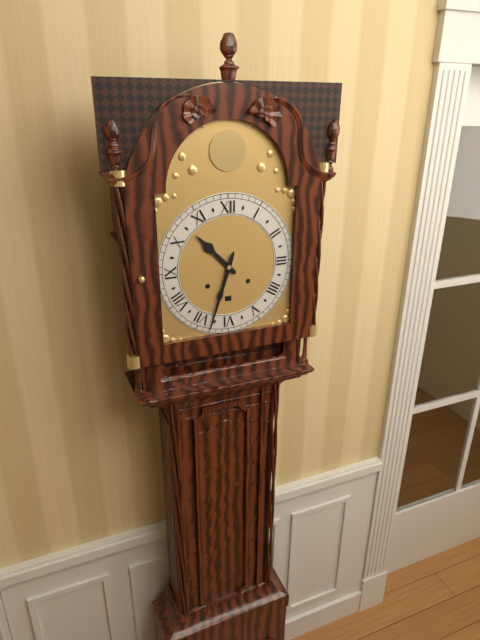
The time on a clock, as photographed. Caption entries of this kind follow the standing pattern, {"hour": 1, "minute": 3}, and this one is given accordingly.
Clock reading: {"hour": 10, "minute": 33}
